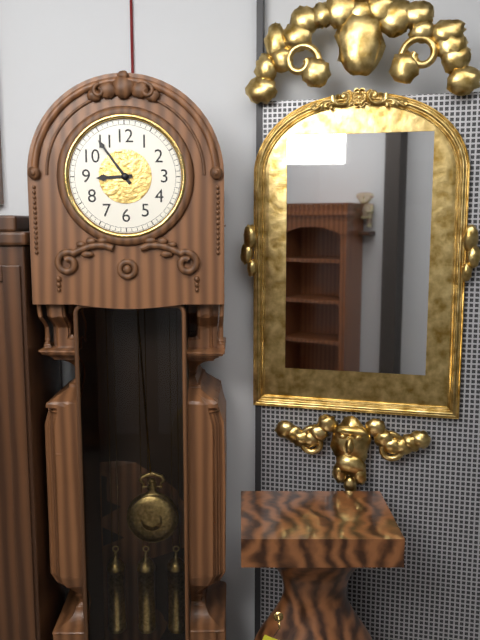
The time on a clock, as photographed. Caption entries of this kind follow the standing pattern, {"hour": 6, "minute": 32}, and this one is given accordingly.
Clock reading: {"hour": 8, "minute": 54}
